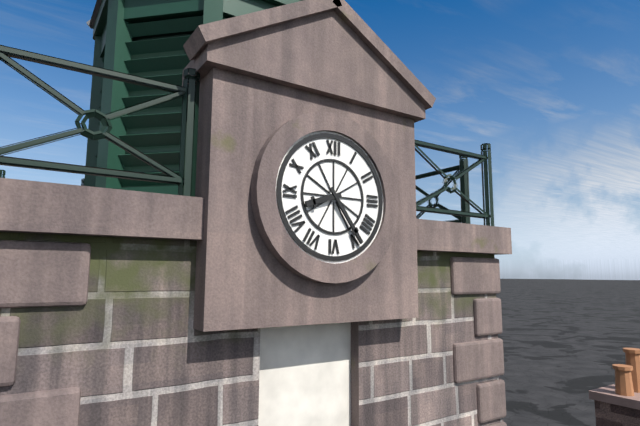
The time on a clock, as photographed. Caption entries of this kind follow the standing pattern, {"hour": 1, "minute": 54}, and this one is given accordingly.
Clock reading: {"hour": 8, "minute": 24}
